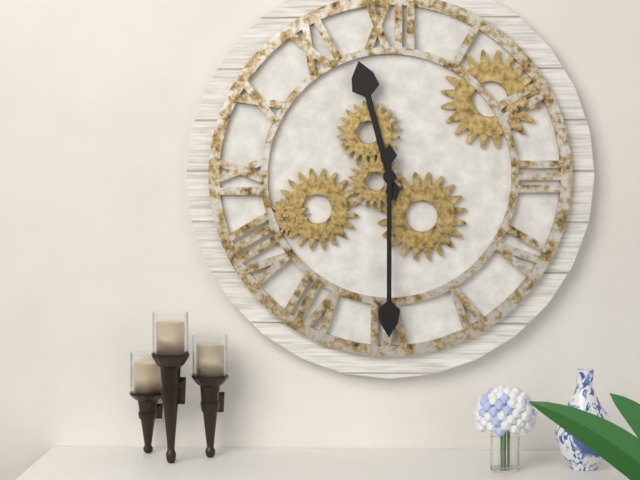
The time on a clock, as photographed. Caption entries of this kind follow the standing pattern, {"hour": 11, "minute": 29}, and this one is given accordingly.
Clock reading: {"hour": 11, "minute": 30}
